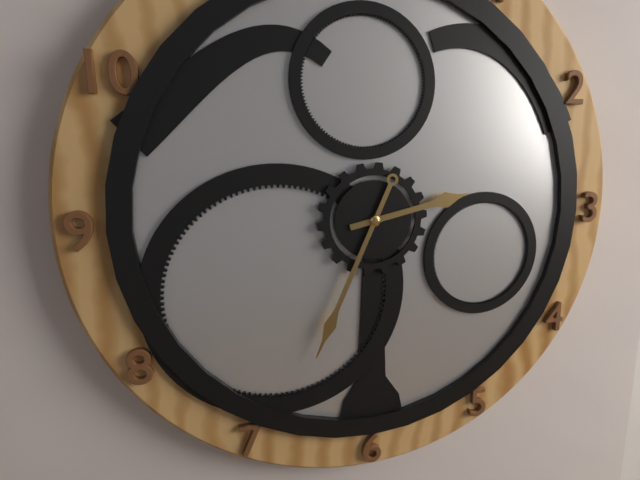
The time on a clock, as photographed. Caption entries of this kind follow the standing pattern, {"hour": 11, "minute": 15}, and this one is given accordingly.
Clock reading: {"hour": 2, "minute": 34}
